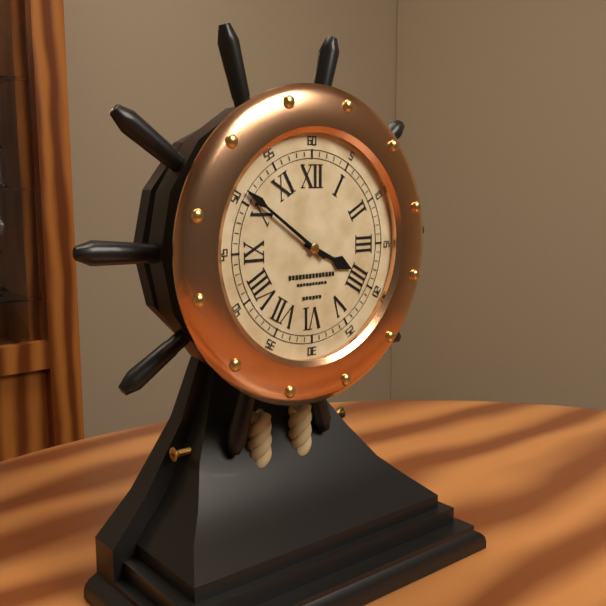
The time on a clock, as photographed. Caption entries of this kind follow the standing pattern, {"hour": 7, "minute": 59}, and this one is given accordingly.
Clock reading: {"hour": 3, "minute": 51}
